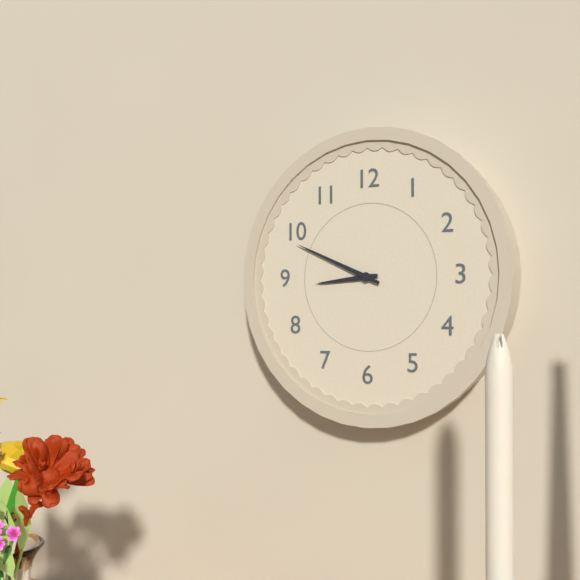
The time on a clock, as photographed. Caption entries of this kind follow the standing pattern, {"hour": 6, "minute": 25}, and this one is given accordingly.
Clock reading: {"hour": 8, "minute": 49}
